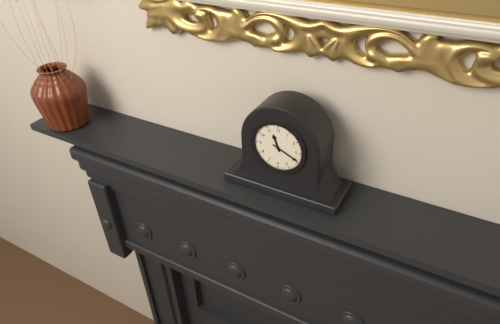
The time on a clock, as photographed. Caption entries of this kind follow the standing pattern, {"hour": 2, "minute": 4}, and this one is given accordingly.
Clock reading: {"hour": 11, "minute": 19}
